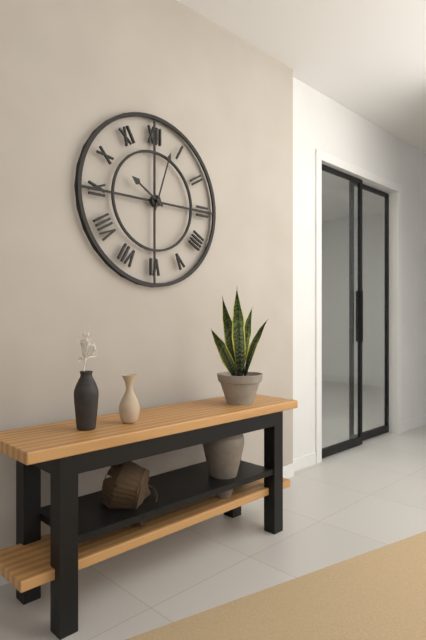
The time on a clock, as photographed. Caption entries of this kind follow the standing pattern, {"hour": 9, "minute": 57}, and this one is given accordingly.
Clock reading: {"hour": 10, "minute": 3}
